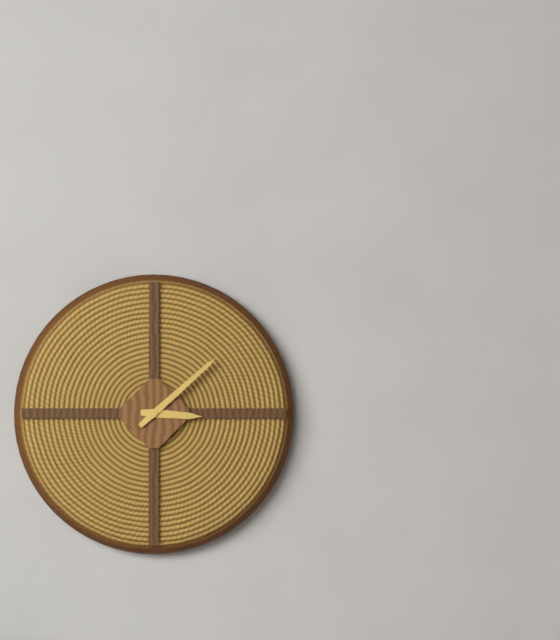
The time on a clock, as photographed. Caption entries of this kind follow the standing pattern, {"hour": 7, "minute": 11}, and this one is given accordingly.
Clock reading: {"hour": 3, "minute": 8}
